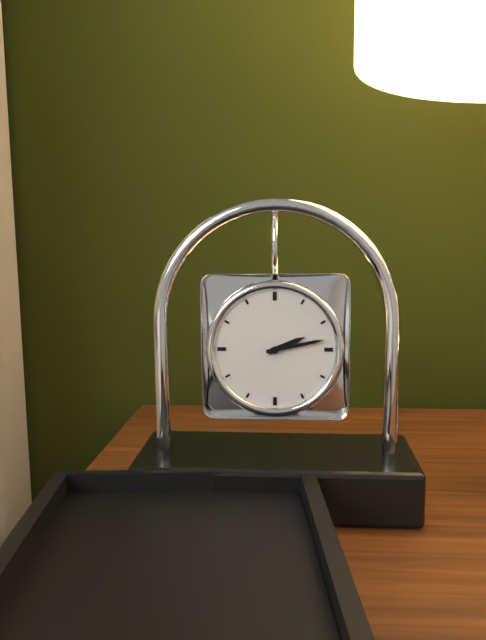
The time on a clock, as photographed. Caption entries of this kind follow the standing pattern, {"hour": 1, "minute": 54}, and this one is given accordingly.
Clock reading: {"hour": 2, "minute": 13}
